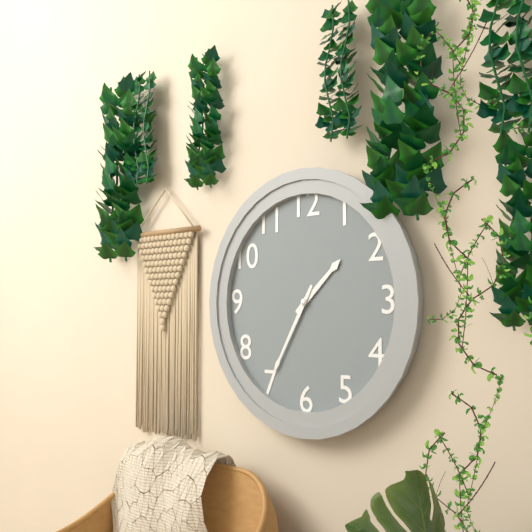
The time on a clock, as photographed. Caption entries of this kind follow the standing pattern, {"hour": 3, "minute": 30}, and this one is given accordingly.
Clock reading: {"hour": 1, "minute": 35}
